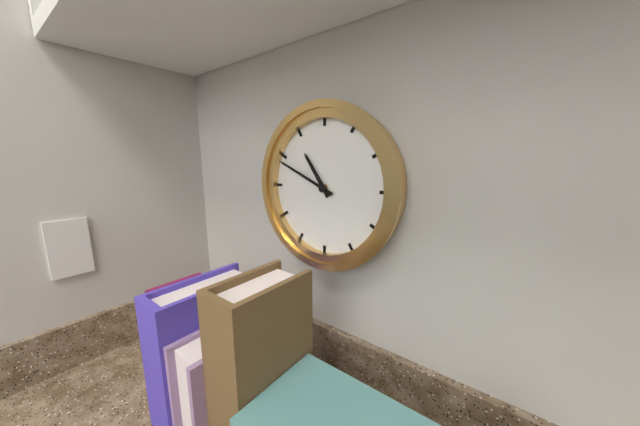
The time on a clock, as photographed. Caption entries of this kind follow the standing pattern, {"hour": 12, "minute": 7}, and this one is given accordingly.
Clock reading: {"hour": 10, "minute": 49}
